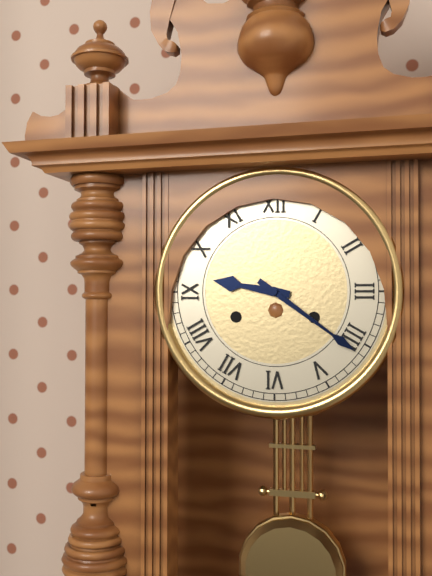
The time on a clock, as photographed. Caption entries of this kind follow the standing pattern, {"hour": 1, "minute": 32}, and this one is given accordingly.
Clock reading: {"hour": 9, "minute": 21}
